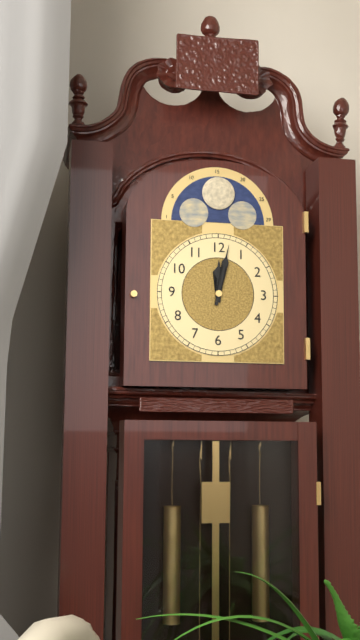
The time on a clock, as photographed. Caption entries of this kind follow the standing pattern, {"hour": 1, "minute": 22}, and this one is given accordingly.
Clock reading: {"hour": 12, "minute": 2}
